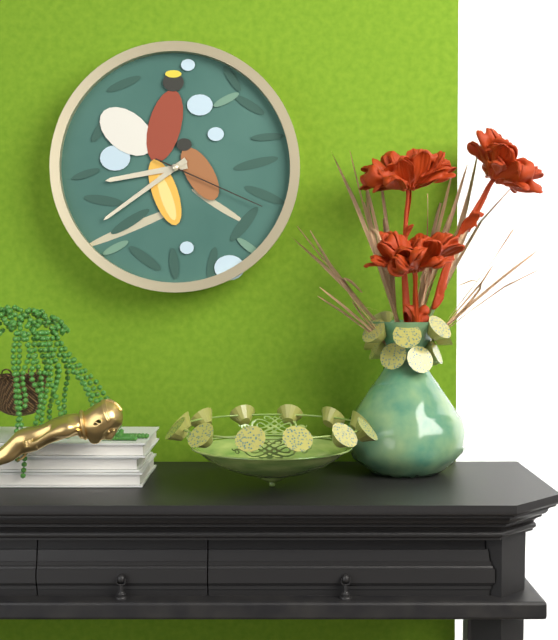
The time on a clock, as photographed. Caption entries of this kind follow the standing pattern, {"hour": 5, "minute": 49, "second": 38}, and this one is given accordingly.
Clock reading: {"hour": 8, "minute": 39, "second": 19}
